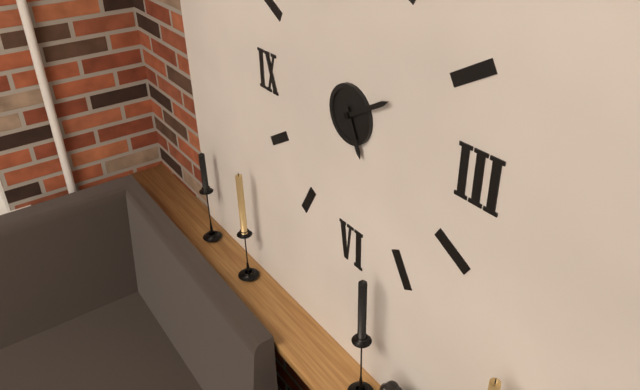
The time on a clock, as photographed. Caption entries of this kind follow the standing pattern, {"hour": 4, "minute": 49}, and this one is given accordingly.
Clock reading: {"hour": 5, "minute": 10}
